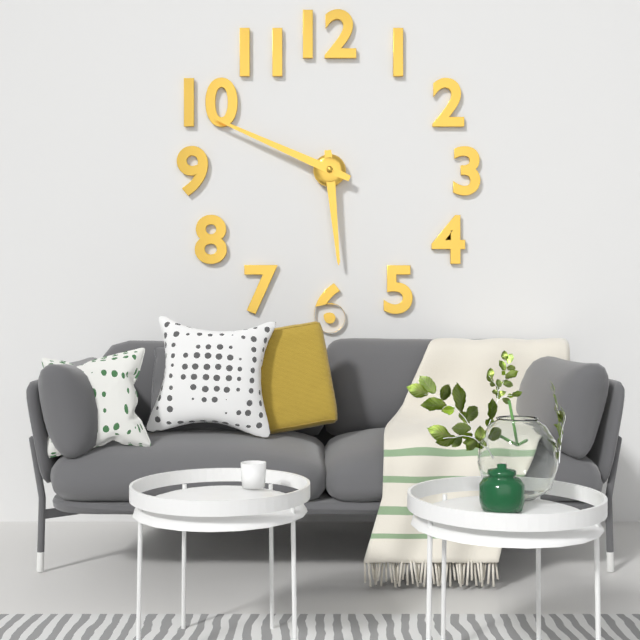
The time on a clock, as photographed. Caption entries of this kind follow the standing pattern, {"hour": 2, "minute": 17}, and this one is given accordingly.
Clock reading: {"hour": 5, "minute": 49}
